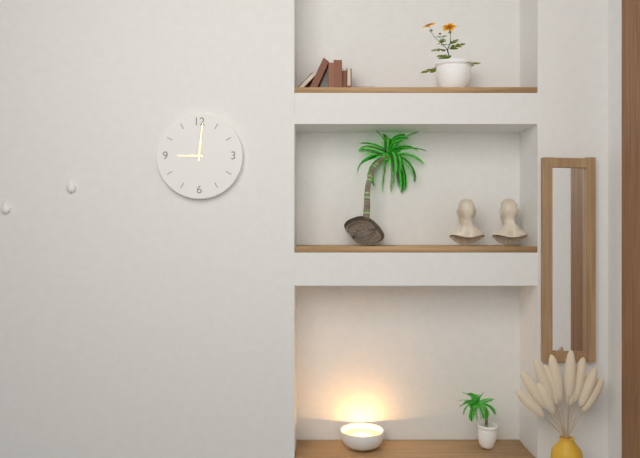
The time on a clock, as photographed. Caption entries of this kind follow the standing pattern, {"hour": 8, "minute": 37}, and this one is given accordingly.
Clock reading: {"hour": 9, "minute": 1}
